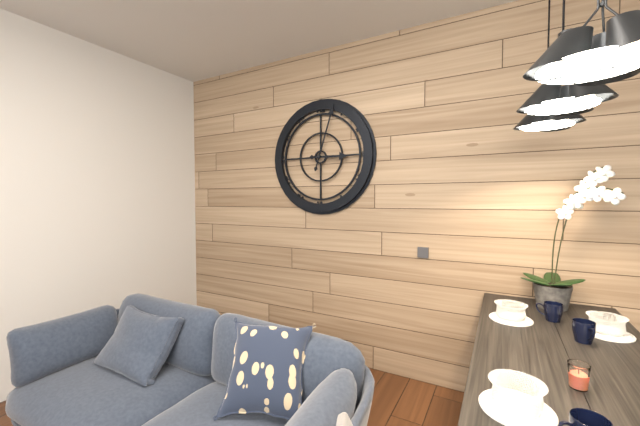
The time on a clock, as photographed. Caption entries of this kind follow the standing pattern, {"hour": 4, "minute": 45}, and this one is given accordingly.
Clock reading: {"hour": 3, "minute": 3}
